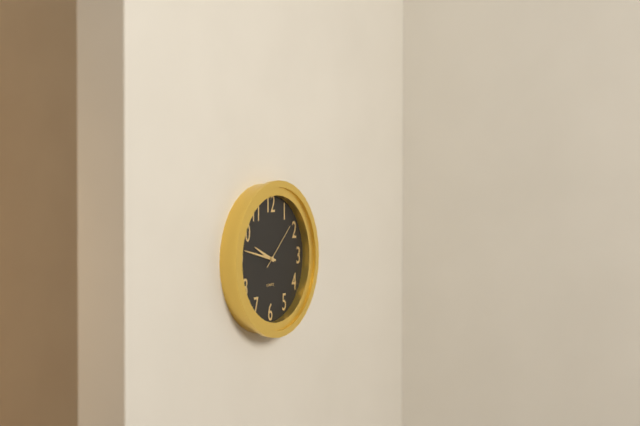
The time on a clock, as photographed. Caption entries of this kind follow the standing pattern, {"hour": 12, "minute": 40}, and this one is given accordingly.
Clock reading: {"hour": 9, "minute": 47}
